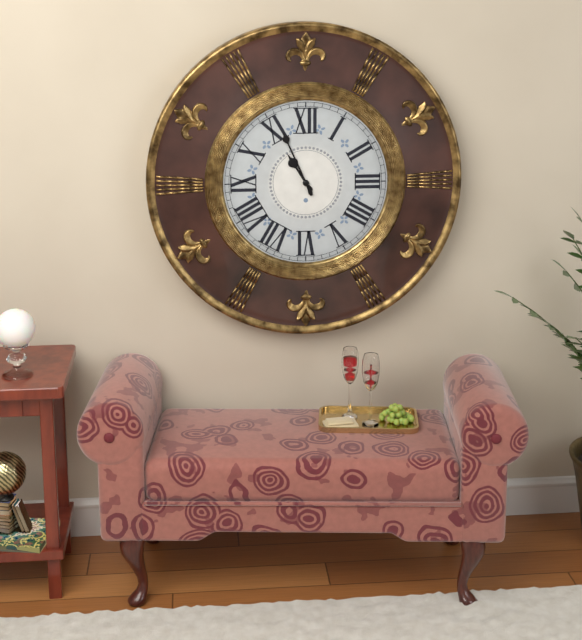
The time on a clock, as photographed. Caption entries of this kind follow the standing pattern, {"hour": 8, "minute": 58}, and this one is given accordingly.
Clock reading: {"hour": 10, "minute": 56}
